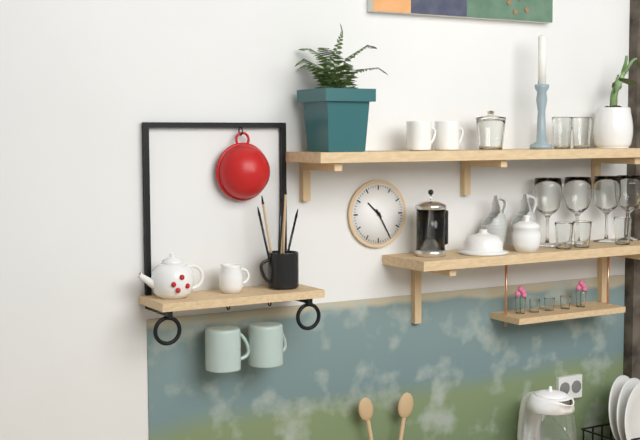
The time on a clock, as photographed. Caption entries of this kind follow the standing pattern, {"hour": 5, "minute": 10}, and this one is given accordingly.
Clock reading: {"hour": 10, "minute": 25}
